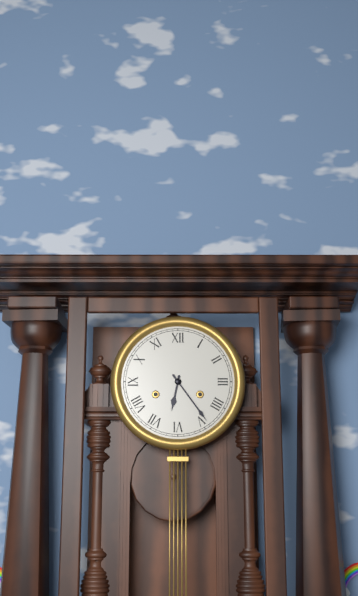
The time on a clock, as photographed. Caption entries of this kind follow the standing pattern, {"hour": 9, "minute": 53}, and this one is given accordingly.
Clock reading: {"hour": 6, "minute": 24}
